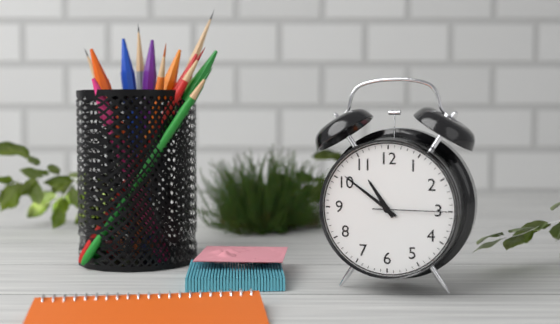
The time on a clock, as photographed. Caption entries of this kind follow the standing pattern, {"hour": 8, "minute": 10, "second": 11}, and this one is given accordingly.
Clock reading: {"hour": 10, "minute": 51, "second": 15}
